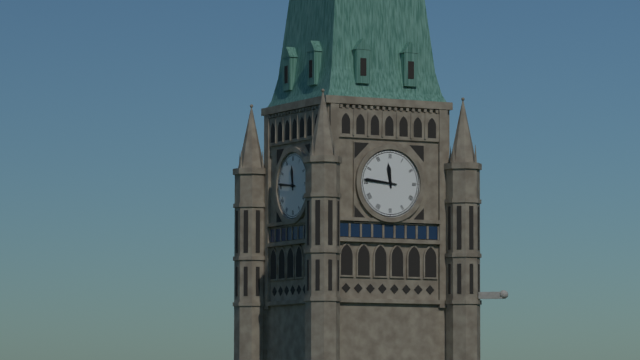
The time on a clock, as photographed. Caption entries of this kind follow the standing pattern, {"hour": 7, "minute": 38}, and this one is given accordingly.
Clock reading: {"hour": 11, "minute": 46}
